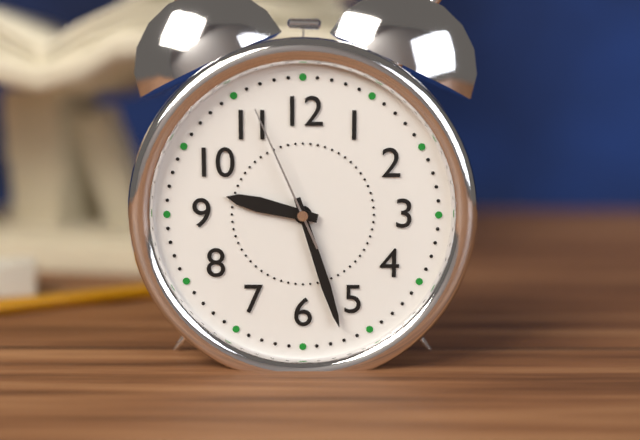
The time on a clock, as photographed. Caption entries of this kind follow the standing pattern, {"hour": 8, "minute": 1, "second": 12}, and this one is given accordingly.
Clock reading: {"hour": 9, "minute": 27, "second": 56}
